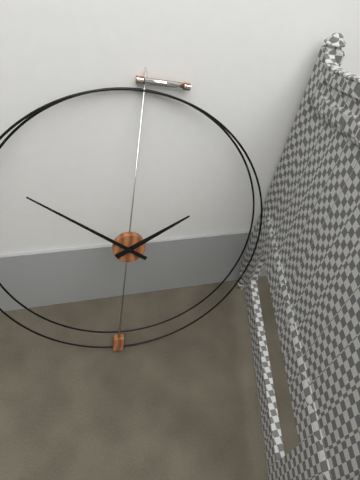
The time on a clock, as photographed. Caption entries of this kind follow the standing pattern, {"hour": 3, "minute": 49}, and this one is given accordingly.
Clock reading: {"hour": 1, "minute": 50}
